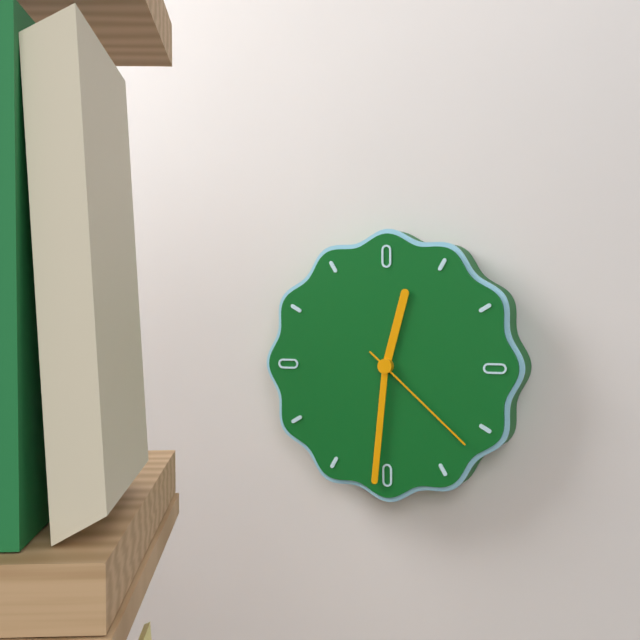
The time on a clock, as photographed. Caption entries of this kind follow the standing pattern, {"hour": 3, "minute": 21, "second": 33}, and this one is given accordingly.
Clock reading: {"hour": 12, "minute": 31, "second": 22}
